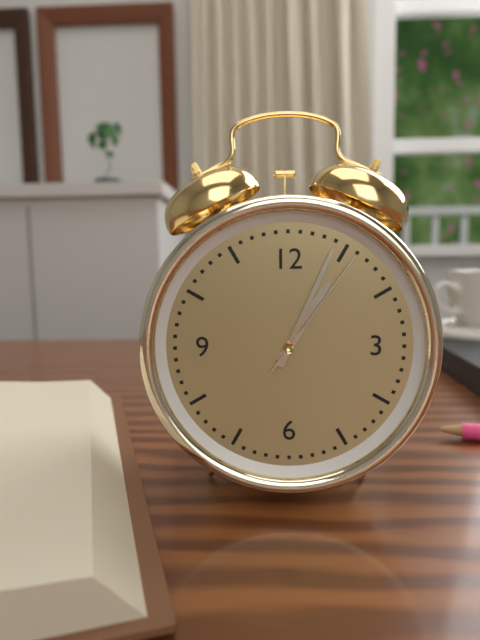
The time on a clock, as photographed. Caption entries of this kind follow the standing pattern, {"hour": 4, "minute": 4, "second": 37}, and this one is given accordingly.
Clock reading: {"hour": 1, "minute": 4, "second": 6}
